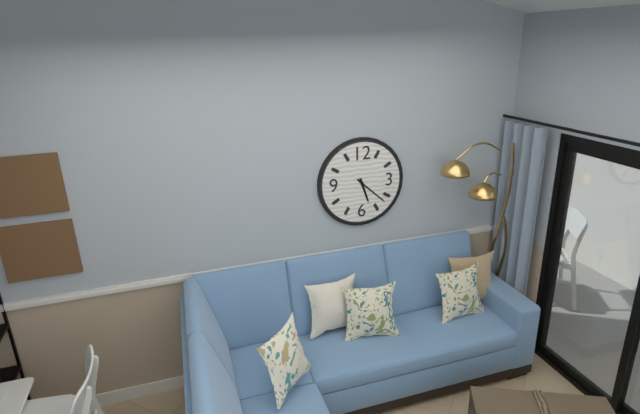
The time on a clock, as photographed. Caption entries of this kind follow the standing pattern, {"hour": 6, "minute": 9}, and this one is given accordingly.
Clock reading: {"hour": 5, "minute": 22}
